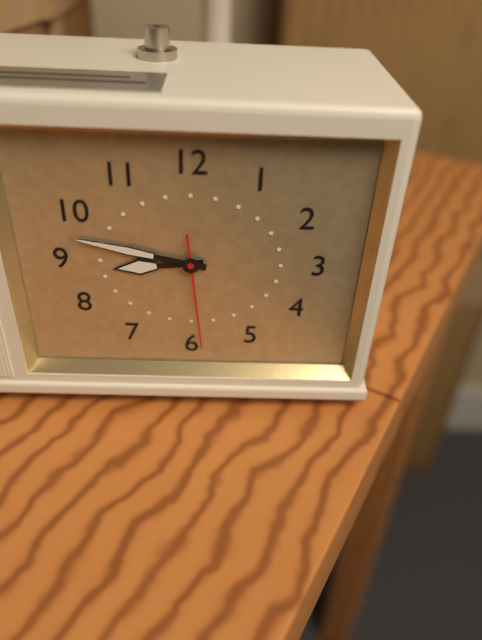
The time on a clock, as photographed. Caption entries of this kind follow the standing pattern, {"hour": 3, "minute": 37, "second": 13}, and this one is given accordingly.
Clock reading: {"hour": 8, "minute": 47, "second": 29}
